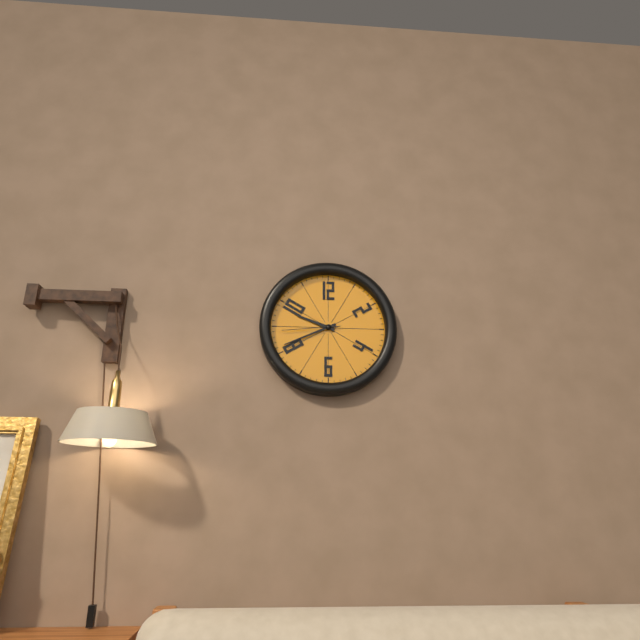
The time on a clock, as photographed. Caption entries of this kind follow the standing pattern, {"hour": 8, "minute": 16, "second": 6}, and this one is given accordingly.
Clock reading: {"hour": 9, "minute": 41, "second": 44}
